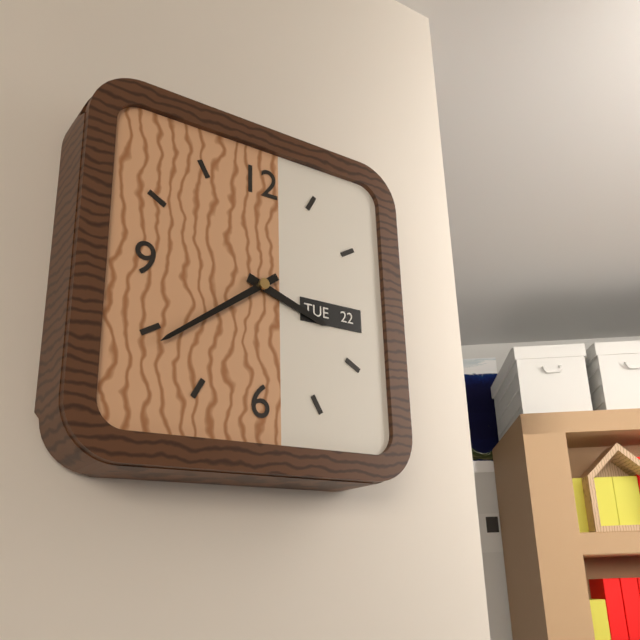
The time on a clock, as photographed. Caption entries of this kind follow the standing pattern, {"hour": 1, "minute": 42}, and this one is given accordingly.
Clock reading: {"hour": 3, "minute": 39}
